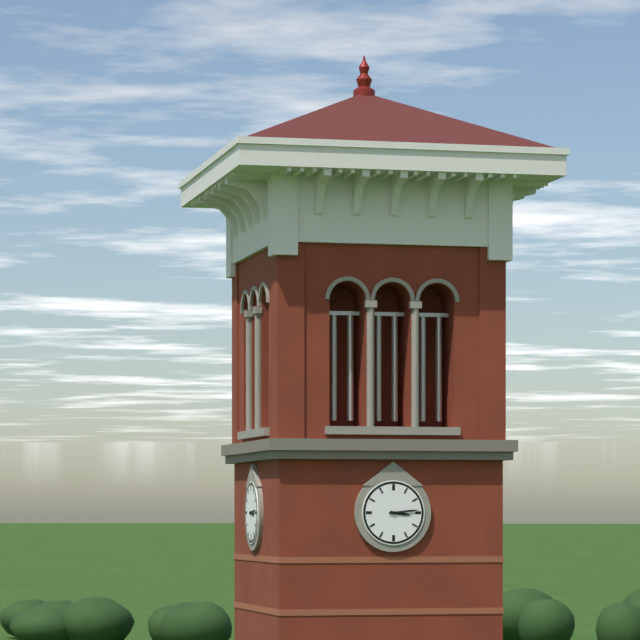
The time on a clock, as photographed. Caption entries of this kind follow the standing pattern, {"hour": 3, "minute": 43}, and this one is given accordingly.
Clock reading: {"hour": 3, "minute": 14}
